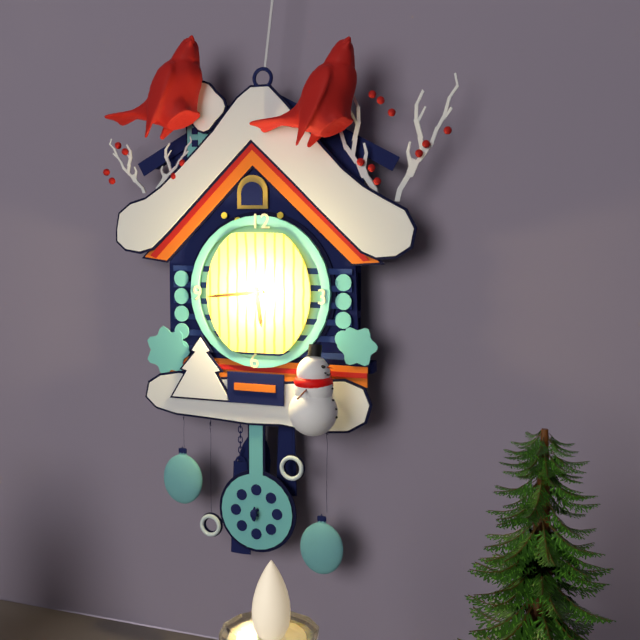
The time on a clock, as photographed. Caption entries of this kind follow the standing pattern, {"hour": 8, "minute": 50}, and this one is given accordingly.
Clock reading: {"hour": 5, "minute": 44}
